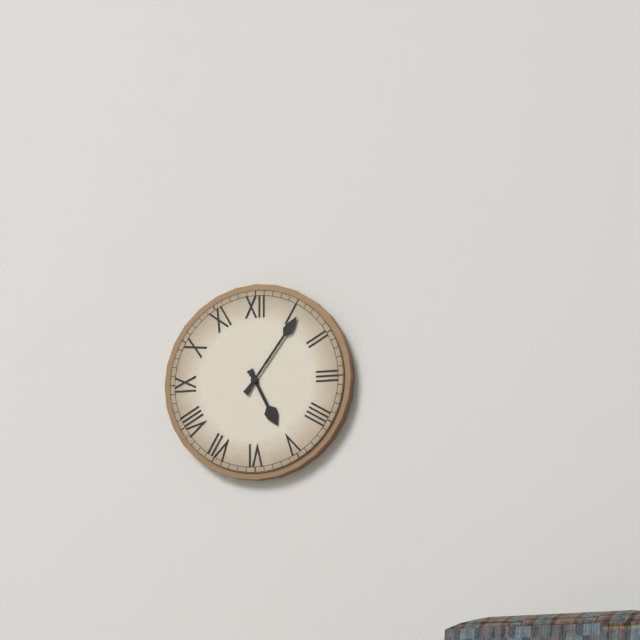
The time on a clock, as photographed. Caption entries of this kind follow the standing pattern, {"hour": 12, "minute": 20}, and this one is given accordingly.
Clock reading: {"hour": 5, "minute": 6}
